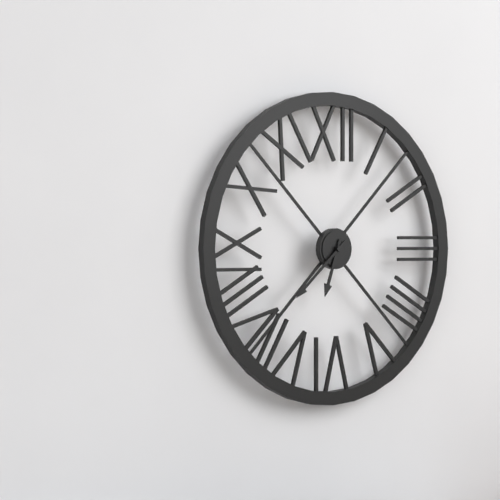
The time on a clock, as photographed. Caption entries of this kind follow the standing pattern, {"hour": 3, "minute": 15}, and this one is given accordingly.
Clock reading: {"hour": 6, "minute": 38}
